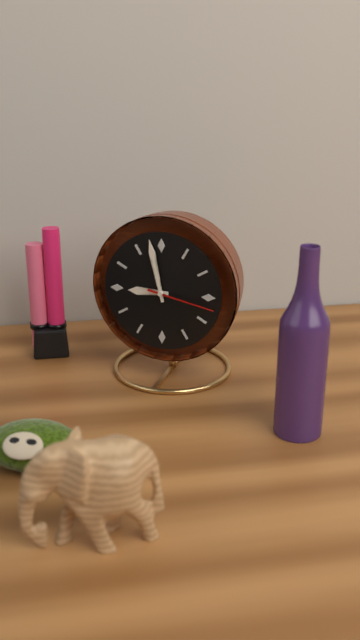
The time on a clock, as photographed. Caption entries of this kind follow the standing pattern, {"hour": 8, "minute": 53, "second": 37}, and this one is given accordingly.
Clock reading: {"hour": 8, "minute": 58, "second": 17}
